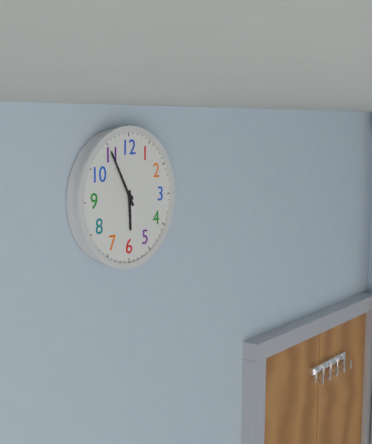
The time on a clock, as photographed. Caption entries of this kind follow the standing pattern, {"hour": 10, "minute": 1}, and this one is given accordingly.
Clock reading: {"hour": 5, "minute": 55}
